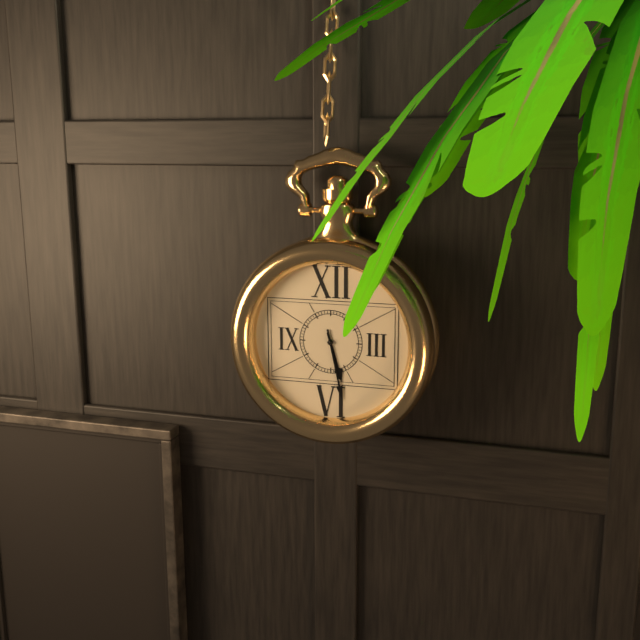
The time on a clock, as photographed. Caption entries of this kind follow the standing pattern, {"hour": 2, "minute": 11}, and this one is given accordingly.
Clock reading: {"hour": 5, "minute": 28}
